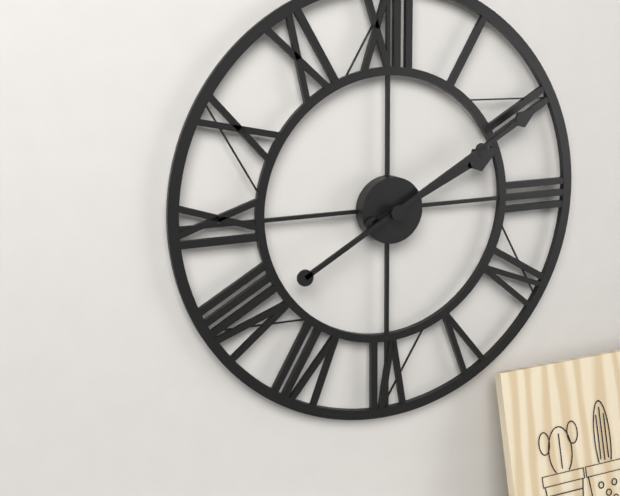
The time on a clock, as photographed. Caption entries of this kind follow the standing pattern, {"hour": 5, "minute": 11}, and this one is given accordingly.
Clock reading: {"hour": 2, "minute": 10}
